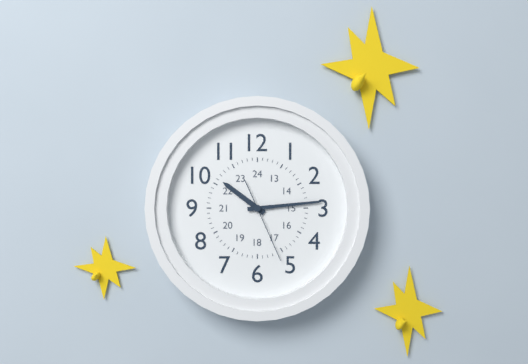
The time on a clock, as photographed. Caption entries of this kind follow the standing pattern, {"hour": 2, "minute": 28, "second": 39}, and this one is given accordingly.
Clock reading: {"hour": 10, "minute": 14, "second": 26}
